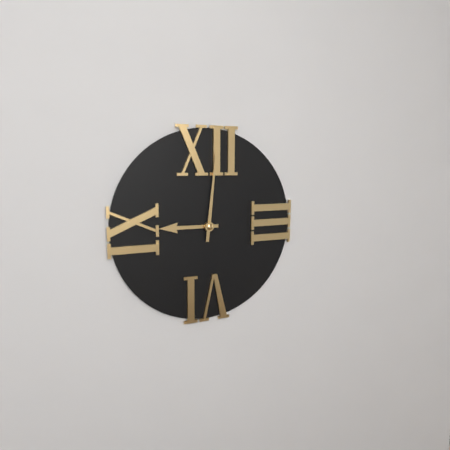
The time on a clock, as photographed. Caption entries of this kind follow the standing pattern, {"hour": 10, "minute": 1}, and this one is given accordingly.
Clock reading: {"hour": 9, "minute": 1}
